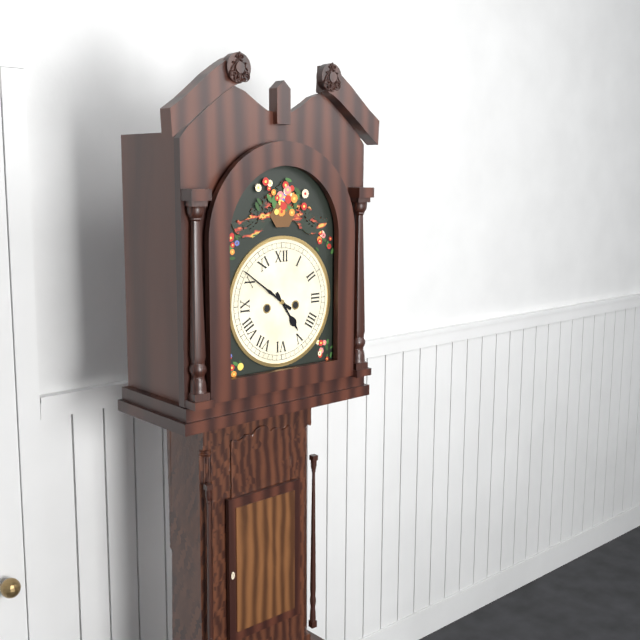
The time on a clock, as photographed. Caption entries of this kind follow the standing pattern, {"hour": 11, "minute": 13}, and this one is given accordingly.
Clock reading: {"hour": 4, "minute": 51}
